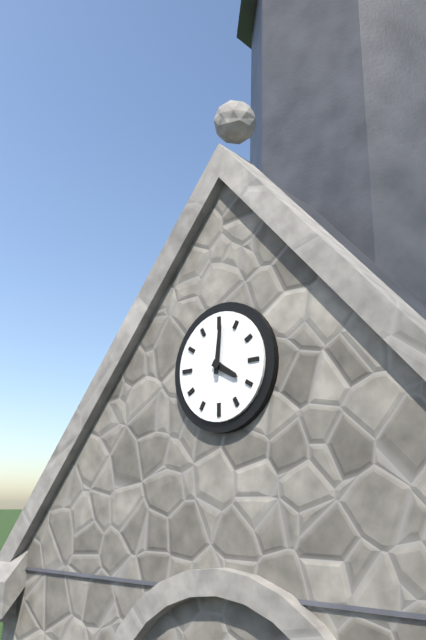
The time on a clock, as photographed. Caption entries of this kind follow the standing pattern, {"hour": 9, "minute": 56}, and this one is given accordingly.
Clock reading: {"hour": 4, "minute": 1}
